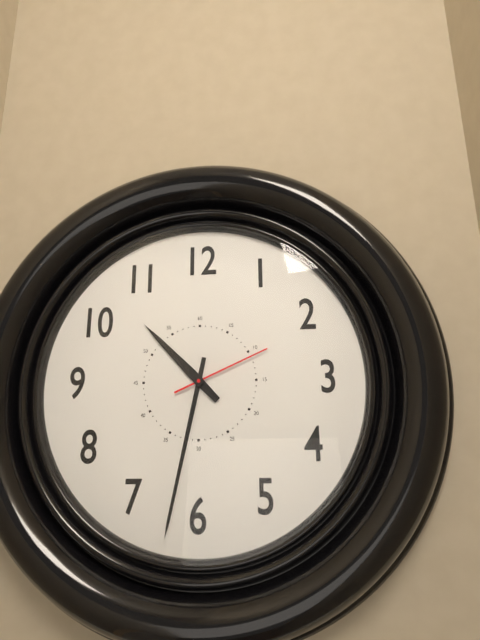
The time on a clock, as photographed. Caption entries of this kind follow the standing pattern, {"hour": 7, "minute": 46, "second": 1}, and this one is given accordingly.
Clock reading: {"hour": 10, "minute": 32, "second": 11}
